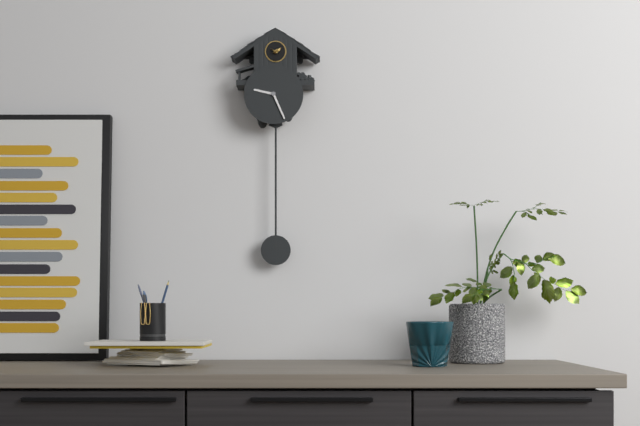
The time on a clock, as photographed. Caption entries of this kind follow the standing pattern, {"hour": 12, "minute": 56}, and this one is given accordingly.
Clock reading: {"hour": 9, "minute": 26}
